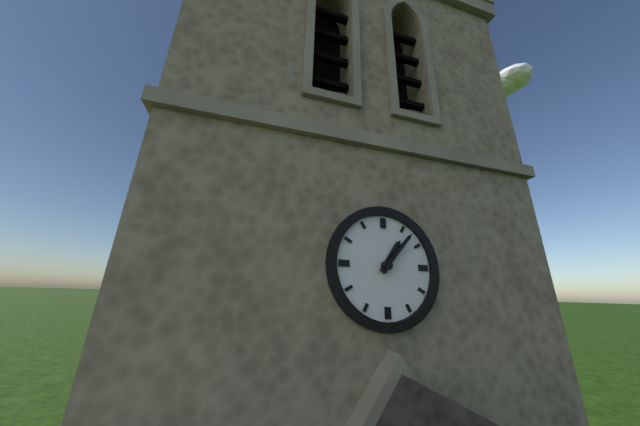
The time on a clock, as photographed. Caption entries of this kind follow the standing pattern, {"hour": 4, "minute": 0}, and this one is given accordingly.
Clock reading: {"hour": 1, "minute": 7}
